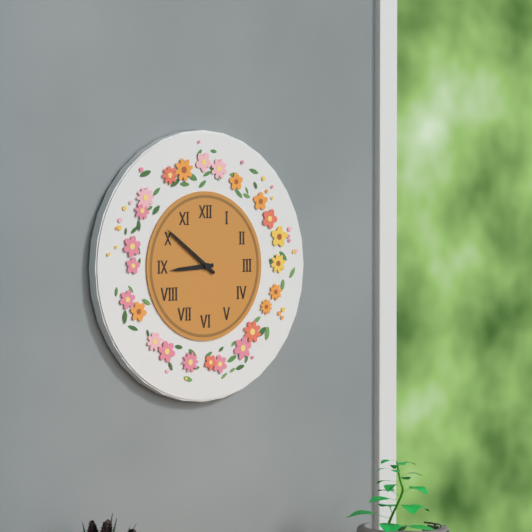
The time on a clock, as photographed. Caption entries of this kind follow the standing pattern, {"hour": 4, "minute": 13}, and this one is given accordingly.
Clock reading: {"hour": 8, "minute": 51}
